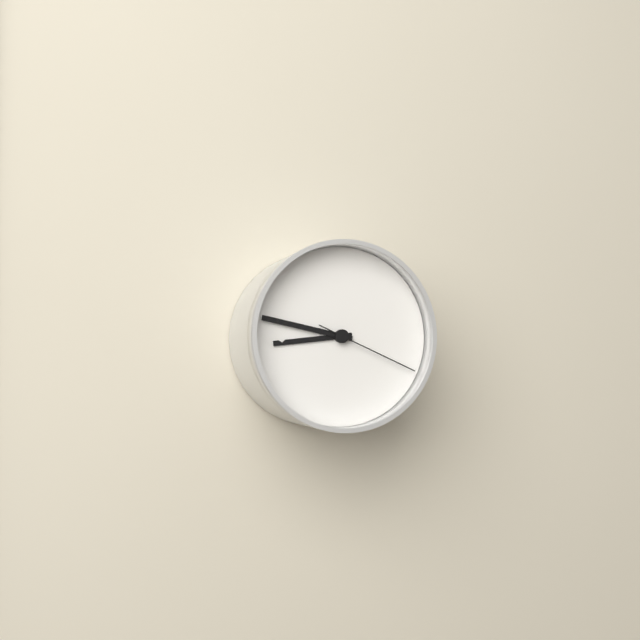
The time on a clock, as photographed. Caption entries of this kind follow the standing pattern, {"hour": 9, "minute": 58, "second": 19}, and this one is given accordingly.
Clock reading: {"hour": 8, "minute": 47, "second": 19}
